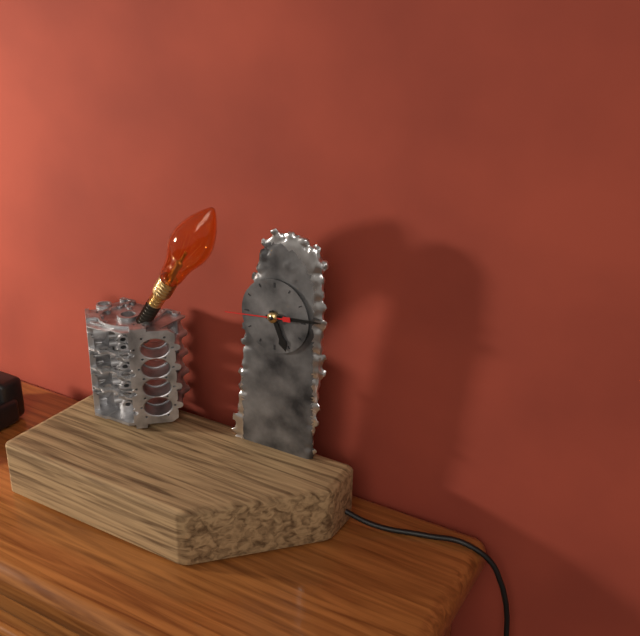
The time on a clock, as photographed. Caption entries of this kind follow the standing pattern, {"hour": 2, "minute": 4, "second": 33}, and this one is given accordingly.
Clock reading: {"hour": 5, "minute": 14, "second": 44}
